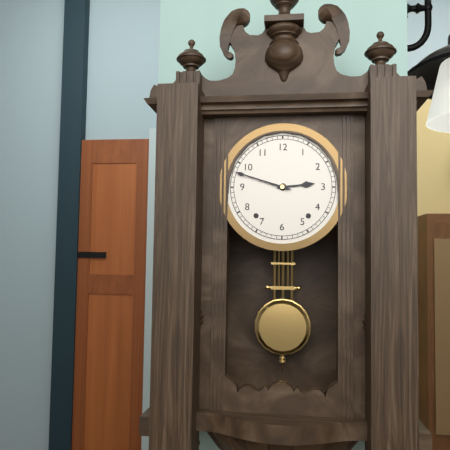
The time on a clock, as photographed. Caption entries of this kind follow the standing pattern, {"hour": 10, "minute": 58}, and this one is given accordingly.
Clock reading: {"hour": 2, "minute": 48}
